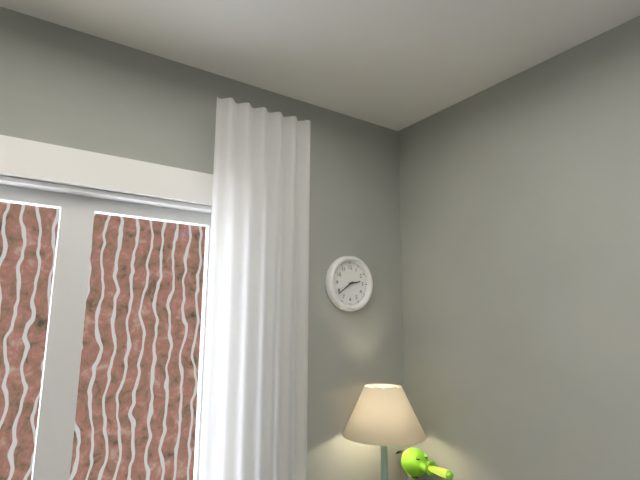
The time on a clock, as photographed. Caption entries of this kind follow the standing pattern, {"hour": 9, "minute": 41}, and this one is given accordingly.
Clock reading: {"hour": 2, "minute": 39}
